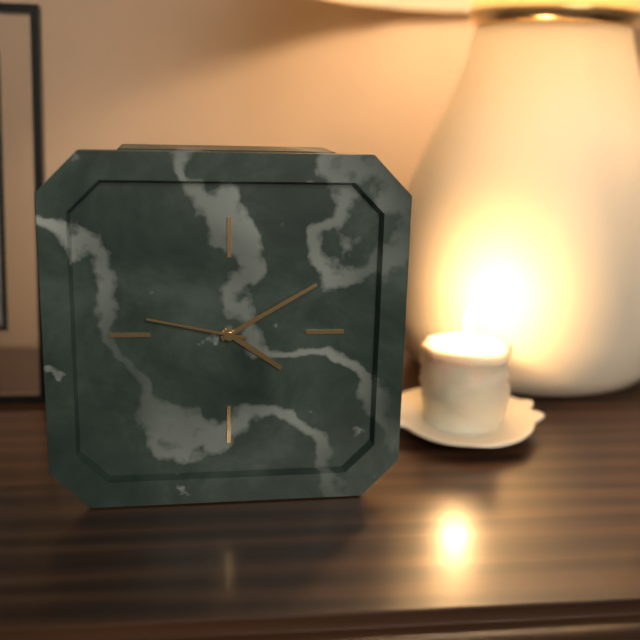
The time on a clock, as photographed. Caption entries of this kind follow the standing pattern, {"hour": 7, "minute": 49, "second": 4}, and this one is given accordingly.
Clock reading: {"hour": 4, "minute": 10, "second": 47}
